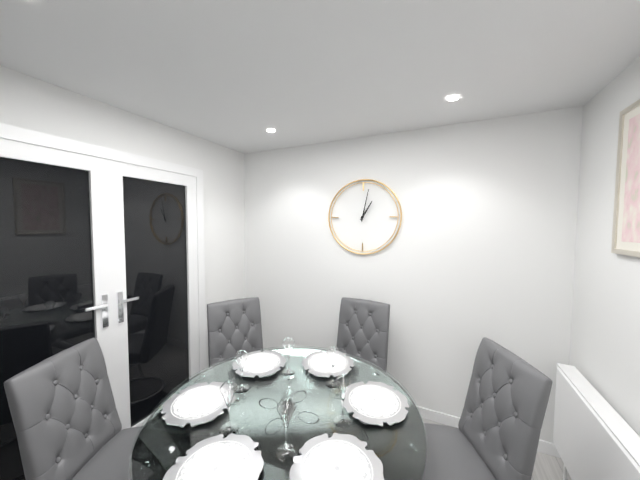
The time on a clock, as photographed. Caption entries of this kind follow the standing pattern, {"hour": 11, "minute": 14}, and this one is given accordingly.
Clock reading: {"hour": 1, "minute": 2}
